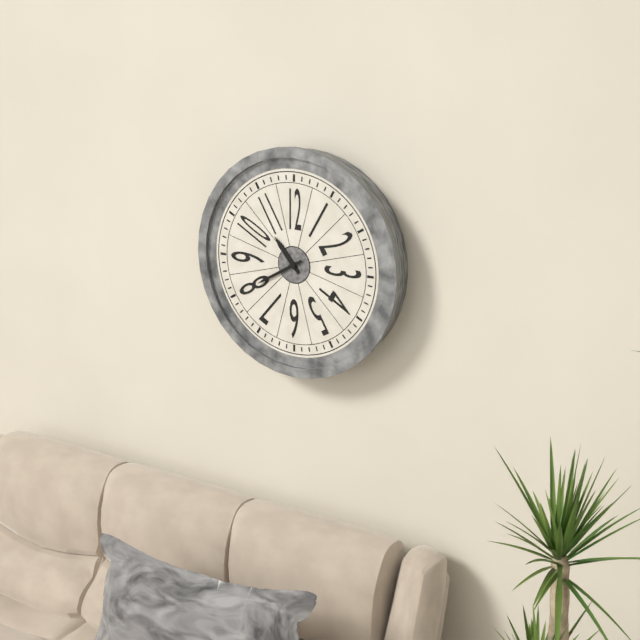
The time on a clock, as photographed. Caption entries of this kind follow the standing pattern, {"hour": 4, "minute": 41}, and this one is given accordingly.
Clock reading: {"hour": 10, "minute": 40}
